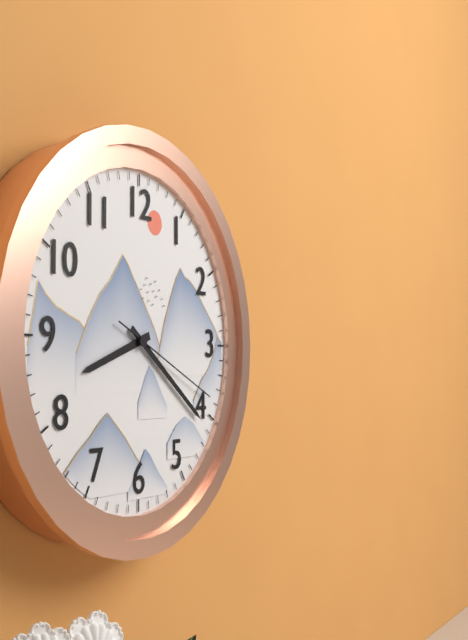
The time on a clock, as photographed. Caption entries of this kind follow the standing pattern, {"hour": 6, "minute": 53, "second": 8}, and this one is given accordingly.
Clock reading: {"hour": 8, "minute": 21, "second": 19}
